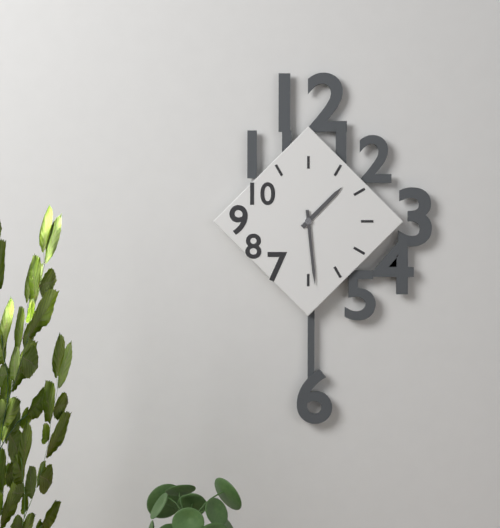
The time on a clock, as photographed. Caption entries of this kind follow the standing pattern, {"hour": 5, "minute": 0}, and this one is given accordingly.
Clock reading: {"hour": 1, "minute": 29}
